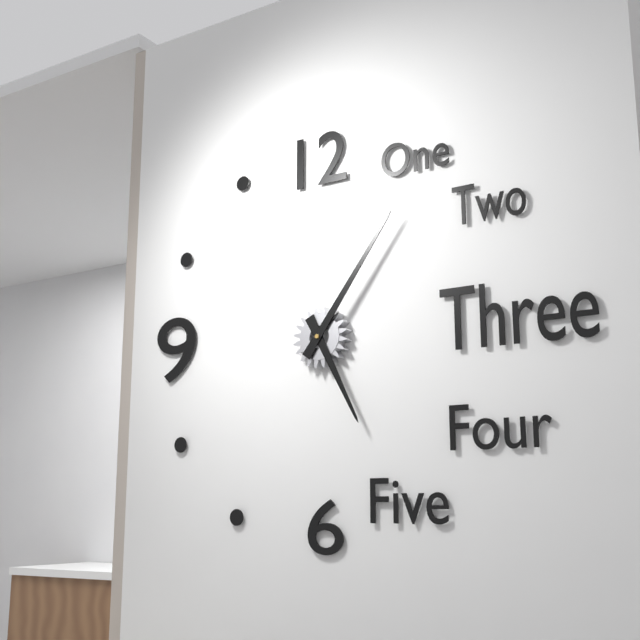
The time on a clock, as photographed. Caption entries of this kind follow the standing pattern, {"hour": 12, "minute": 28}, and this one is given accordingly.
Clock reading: {"hour": 5, "minute": 6}
